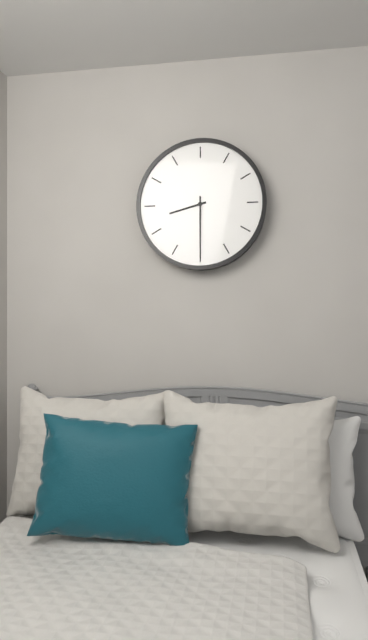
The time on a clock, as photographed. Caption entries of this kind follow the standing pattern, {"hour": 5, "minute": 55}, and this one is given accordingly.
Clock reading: {"hour": 8, "minute": 30}
